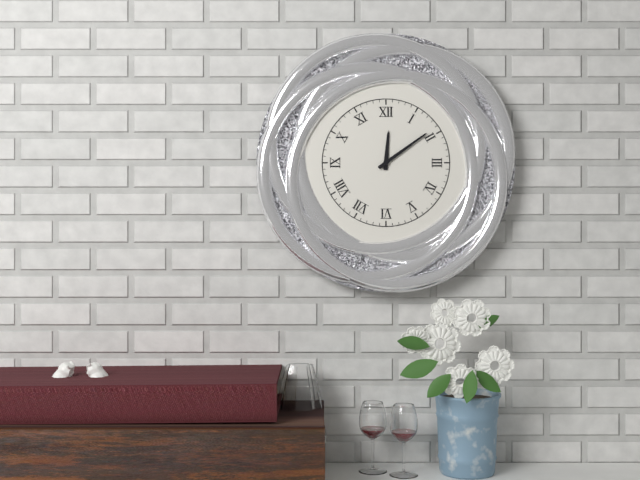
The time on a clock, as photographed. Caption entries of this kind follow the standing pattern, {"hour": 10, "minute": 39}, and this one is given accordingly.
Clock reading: {"hour": 12, "minute": 9}
